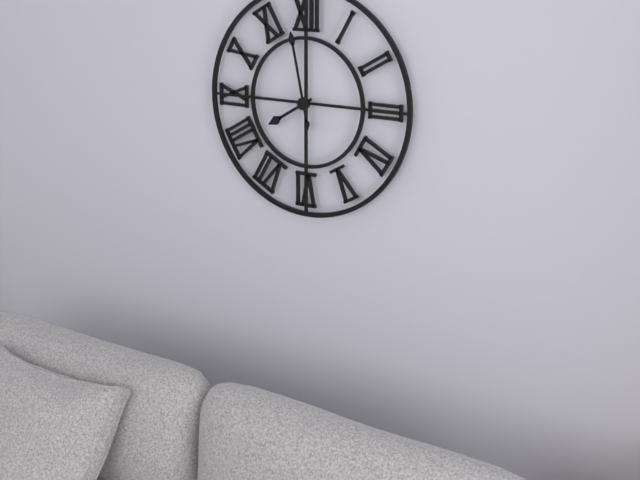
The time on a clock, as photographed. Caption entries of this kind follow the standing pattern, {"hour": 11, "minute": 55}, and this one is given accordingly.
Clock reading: {"hour": 7, "minute": 58}
